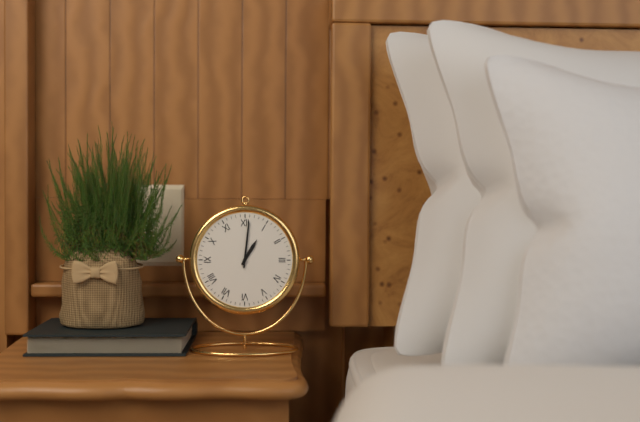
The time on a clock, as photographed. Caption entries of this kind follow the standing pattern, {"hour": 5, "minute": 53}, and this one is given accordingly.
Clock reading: {"hour": 1, "minute": 1}
